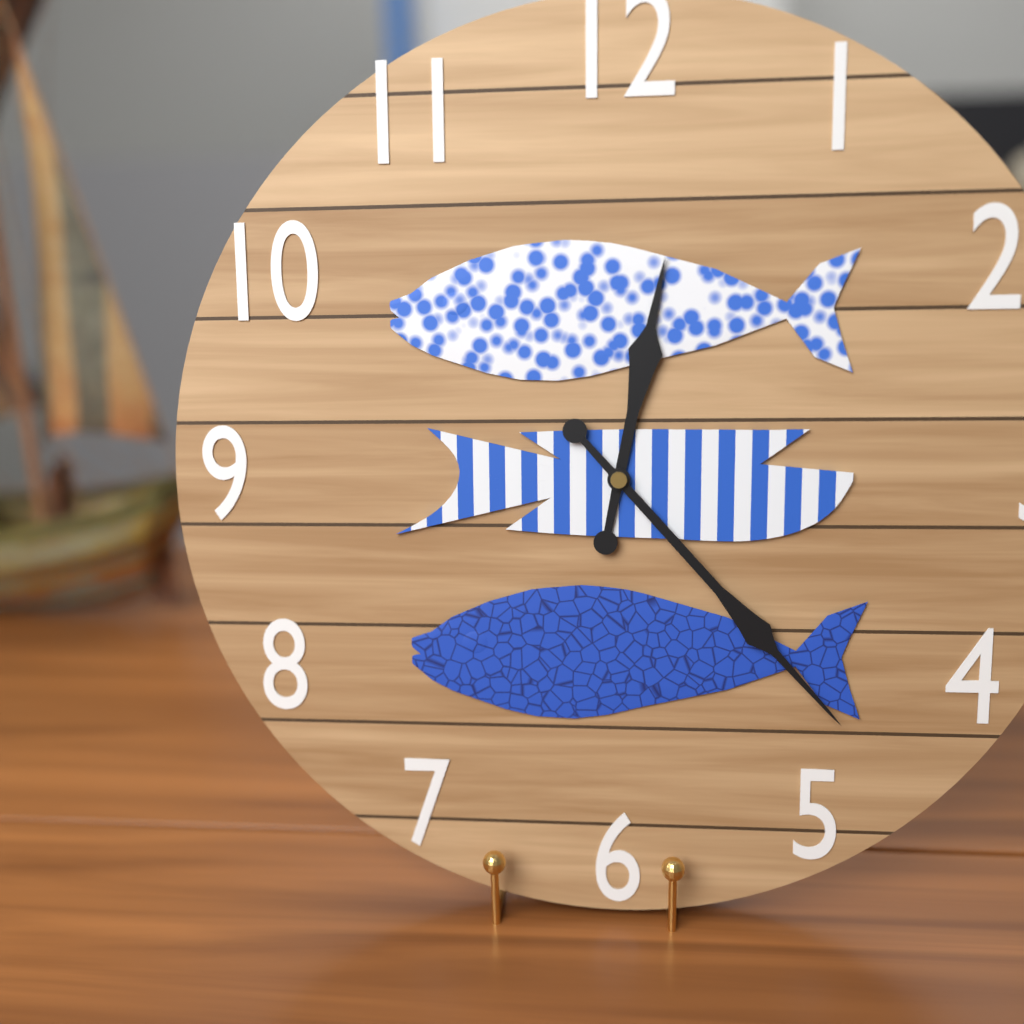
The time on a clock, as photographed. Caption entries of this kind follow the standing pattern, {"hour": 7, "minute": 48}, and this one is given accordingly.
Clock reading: {"hour": 12, "minute": 23}
